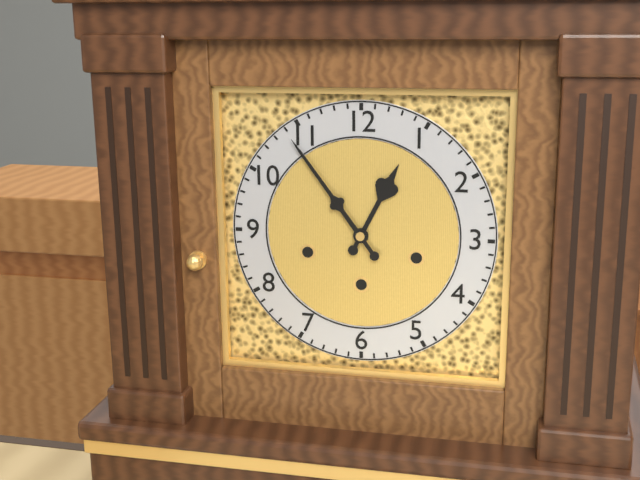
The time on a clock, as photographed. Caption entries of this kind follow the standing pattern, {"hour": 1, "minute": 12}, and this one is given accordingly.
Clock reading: {"hour": 12, "minute": 54}
